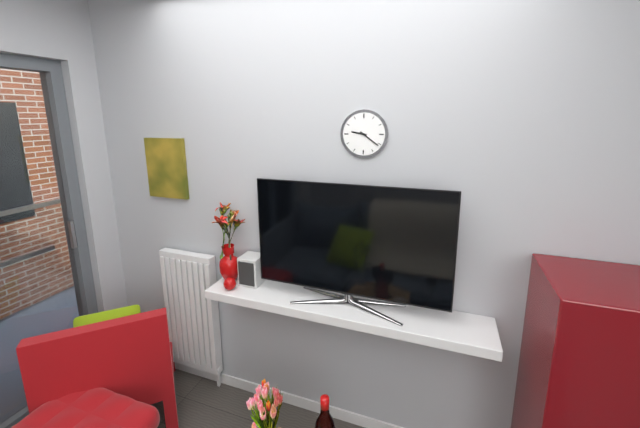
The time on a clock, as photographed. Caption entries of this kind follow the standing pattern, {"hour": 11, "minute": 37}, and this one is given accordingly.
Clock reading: {"hour": 9, "minute": 21}
